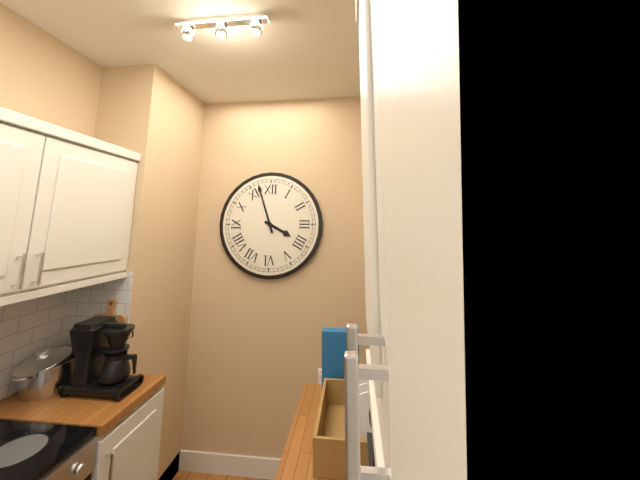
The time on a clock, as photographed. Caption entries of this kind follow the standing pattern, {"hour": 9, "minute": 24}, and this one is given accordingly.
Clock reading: {"hour": 3, "minute": 57}
